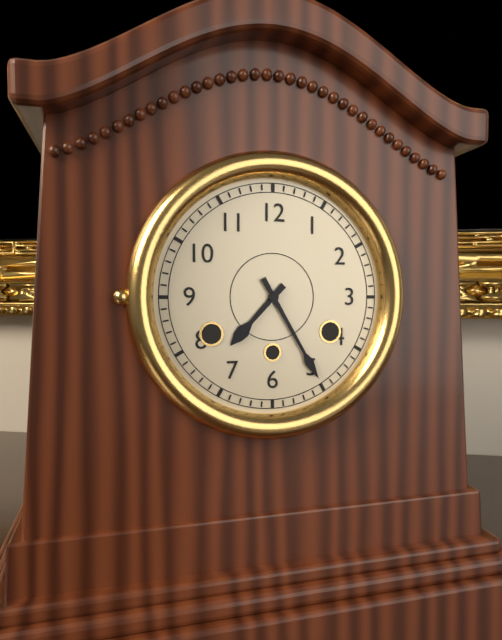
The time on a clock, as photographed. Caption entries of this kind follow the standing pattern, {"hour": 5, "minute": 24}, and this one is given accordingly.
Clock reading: {"hour": 7, "minute": 25}
